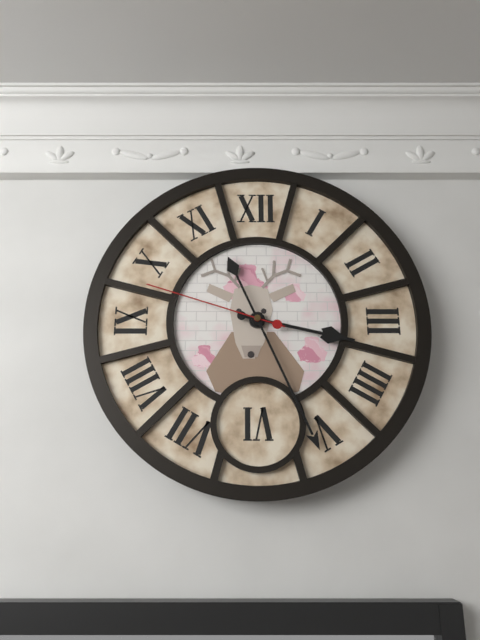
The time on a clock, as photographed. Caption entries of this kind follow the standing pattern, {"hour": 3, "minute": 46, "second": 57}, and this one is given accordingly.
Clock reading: {"hour": 3, "minute": 26, "second": 48}
